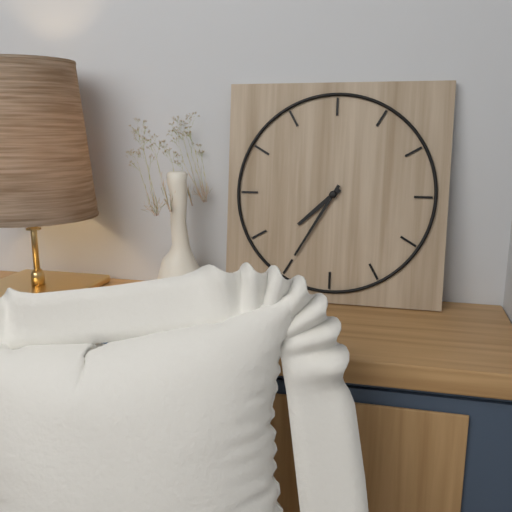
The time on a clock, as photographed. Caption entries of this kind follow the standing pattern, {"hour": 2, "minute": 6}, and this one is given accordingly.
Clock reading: {"hour": 7, "minute": 35}
